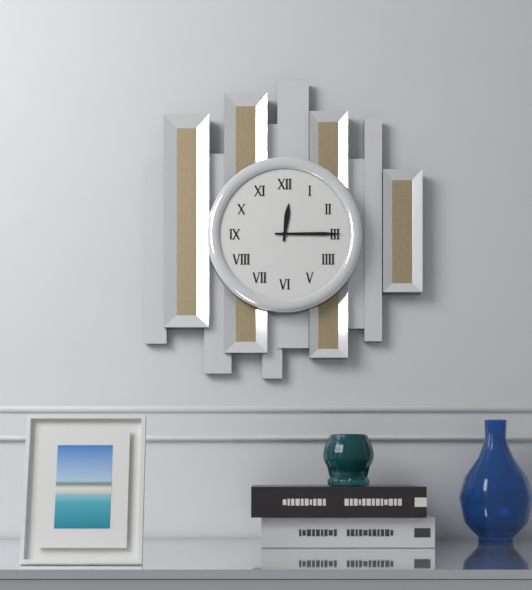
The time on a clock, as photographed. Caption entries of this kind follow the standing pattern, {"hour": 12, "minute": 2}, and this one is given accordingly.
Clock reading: {"hour": 12, "minute": 15}
